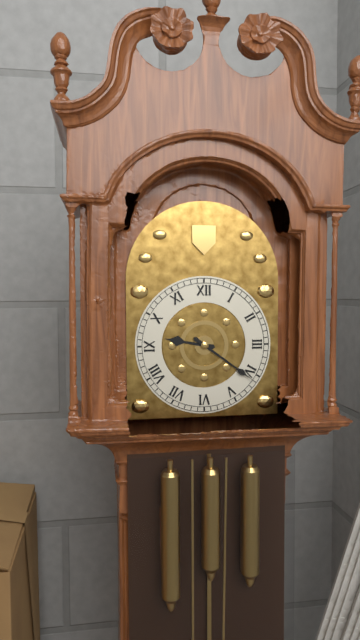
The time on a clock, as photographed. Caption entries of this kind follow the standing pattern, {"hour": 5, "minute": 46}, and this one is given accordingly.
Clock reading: {"hour": 9, "minute": 21}
